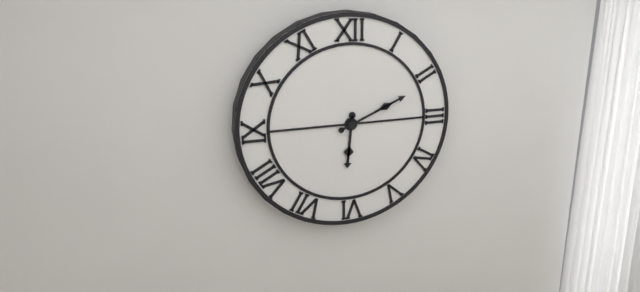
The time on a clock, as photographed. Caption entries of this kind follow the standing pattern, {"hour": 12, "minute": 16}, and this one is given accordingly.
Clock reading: {"hour": 6, "minute": 11}
